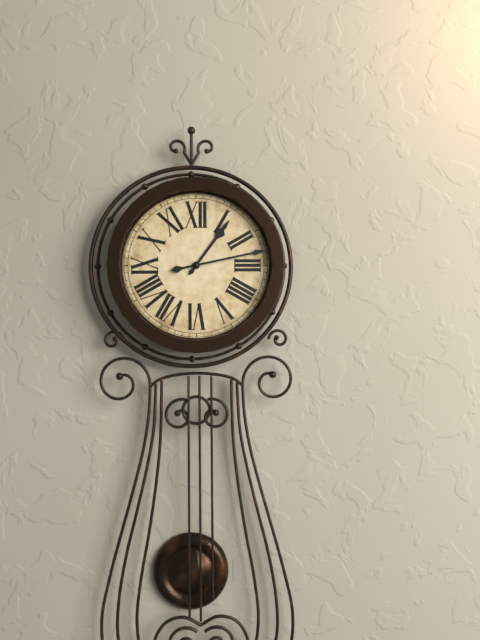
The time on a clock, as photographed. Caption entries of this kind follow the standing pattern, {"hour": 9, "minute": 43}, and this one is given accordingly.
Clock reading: {"hour": 1, "minute": 13}
